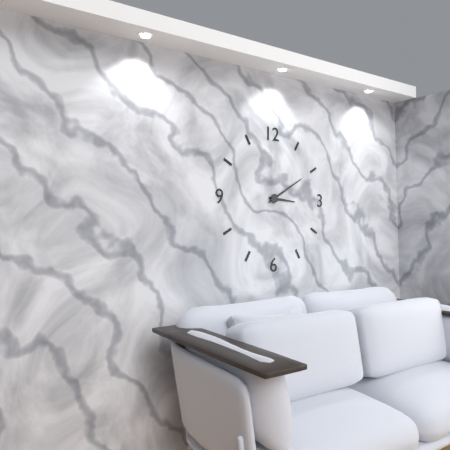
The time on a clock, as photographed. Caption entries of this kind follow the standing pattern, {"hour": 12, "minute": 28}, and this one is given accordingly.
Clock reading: {"hour": 3, "minute": 10}
